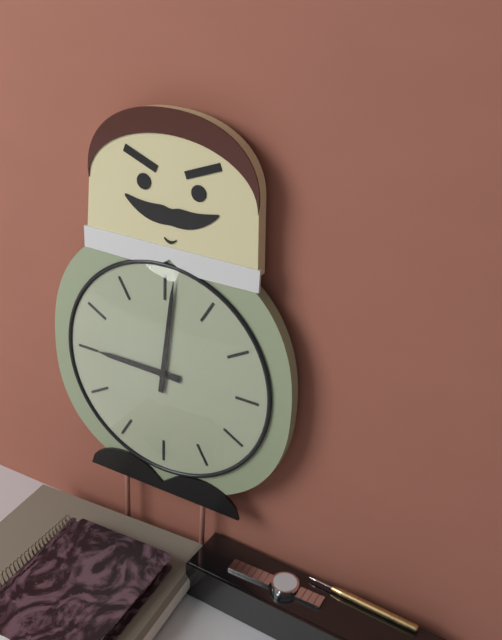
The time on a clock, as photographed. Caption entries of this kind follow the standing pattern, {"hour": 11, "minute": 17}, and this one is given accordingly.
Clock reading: {"hour": 9, "minute": 1}
